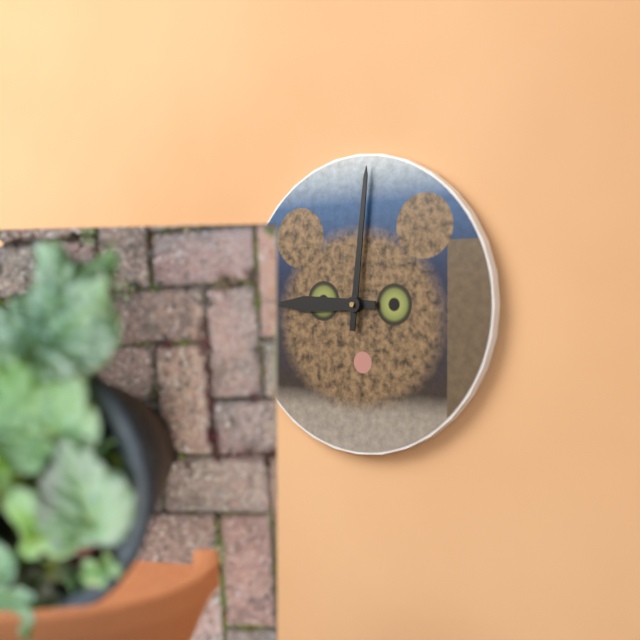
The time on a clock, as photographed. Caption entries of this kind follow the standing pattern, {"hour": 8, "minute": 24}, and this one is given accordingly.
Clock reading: {"hour": 9, "minute": 1}
